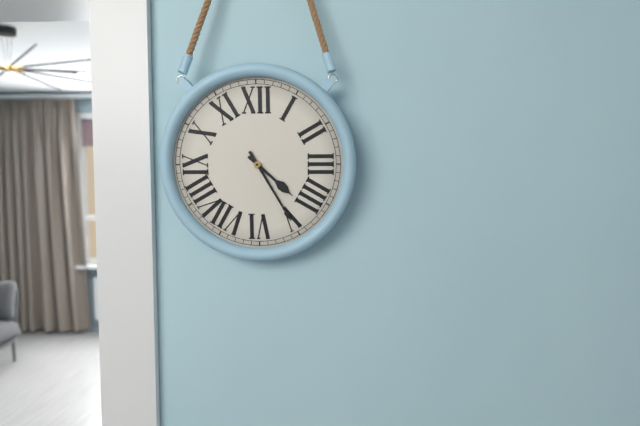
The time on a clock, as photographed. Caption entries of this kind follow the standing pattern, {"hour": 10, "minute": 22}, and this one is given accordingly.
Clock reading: {"hour": 4, "minute": 25}
